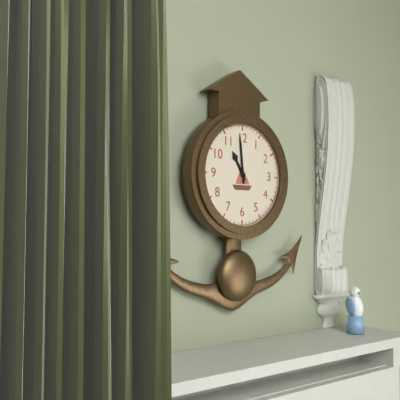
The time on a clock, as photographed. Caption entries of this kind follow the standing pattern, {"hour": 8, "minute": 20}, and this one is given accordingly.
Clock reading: {"hour": 10, "minute": 59}
